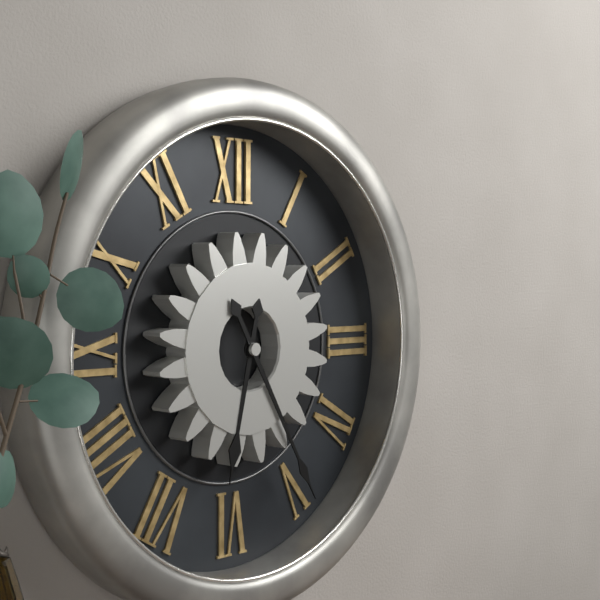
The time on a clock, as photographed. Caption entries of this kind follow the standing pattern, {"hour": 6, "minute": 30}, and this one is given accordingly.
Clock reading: {"hour": 6, "minute": 25}
